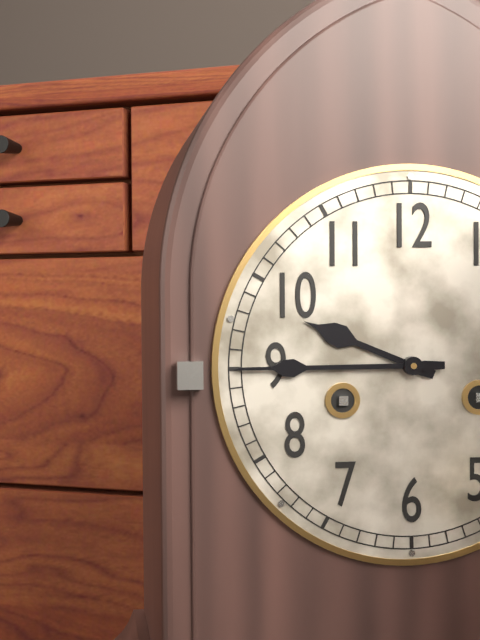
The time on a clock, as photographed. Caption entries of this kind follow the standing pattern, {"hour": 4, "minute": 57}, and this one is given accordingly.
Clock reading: {"hour": 9, "minute": 45}
